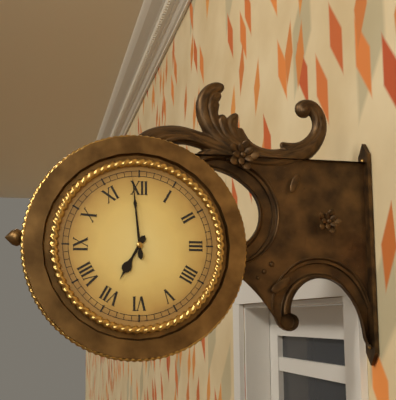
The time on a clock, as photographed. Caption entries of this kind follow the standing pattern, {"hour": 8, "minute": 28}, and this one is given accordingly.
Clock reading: {"hour": 6, "minute": 59}
